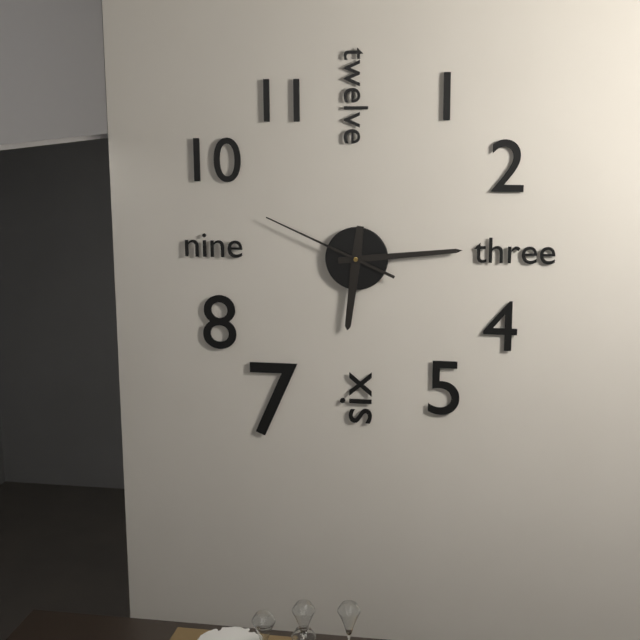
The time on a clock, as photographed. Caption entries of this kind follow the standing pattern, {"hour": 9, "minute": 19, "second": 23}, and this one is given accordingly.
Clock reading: {"hour": 6, "minute": 14, "second": 49}
